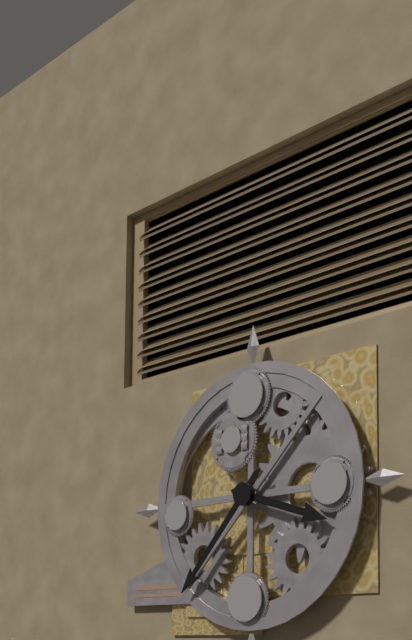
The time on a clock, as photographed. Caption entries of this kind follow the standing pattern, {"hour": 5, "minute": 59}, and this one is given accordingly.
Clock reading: {"hour": 3, "minute": 37}
